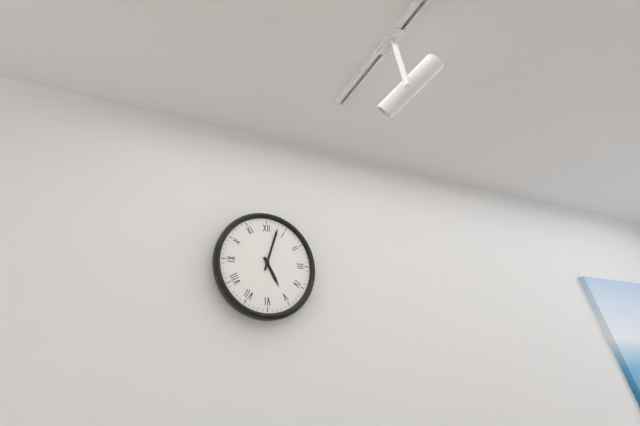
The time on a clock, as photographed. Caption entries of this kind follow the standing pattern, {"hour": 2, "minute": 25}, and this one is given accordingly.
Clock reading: {"hour": 5, "minute": 3}
